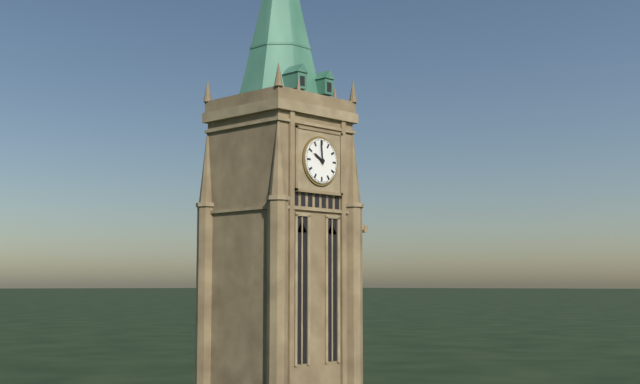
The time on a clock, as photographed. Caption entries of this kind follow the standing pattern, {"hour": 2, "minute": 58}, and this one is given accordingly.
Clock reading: {"hour": 9, "minute": 59}
